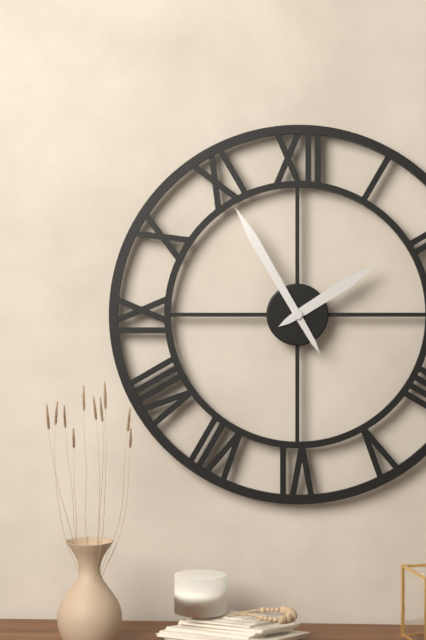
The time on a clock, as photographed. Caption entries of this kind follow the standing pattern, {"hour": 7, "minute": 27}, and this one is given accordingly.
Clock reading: {"hour": 1, "minute": 55}
